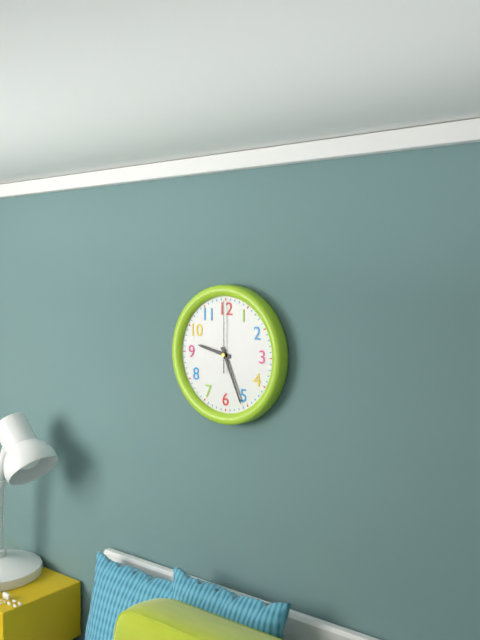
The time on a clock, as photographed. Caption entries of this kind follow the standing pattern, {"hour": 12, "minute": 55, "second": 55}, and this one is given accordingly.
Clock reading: {"hour": 9, "minute": 26, "second": 0}
